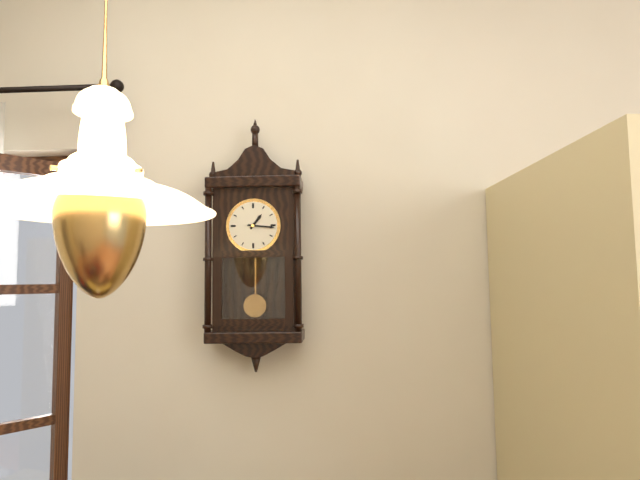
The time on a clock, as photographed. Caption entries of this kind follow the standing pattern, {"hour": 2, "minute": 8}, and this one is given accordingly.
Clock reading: {"hour": 1, "minute": 16}
